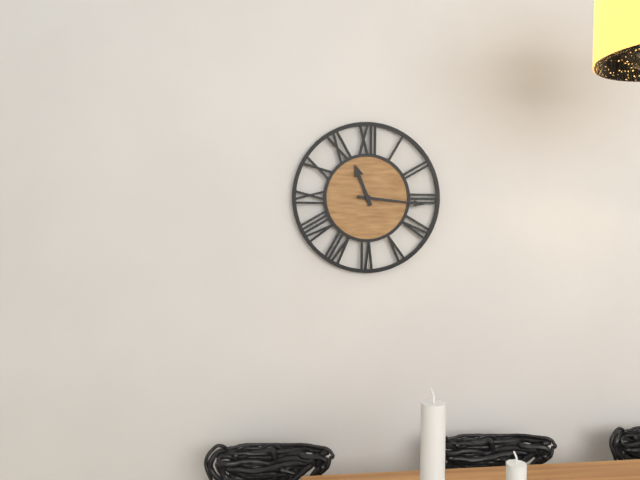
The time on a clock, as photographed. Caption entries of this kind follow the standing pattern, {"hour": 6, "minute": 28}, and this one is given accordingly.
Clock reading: {"hour": 11, "minute": 16}
